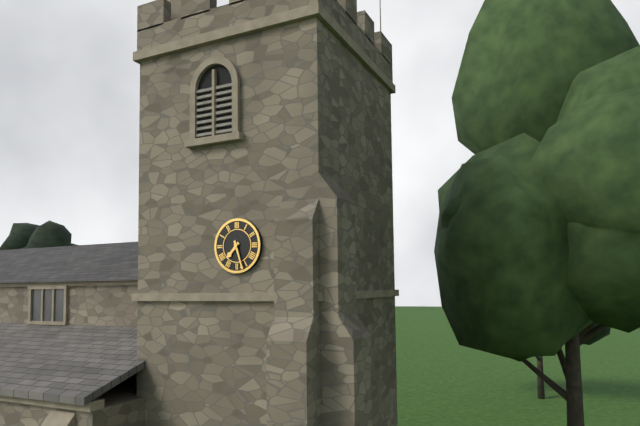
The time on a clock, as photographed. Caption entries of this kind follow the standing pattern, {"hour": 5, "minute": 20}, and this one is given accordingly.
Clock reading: {"hour": 7, "minute": 27}
